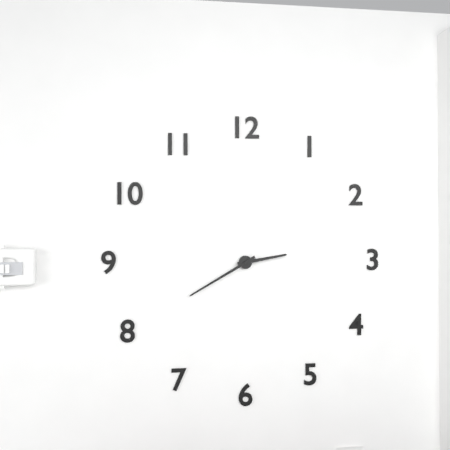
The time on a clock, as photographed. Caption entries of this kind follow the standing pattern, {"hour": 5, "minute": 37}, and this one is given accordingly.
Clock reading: {"hour": 2, "minute": 40}
